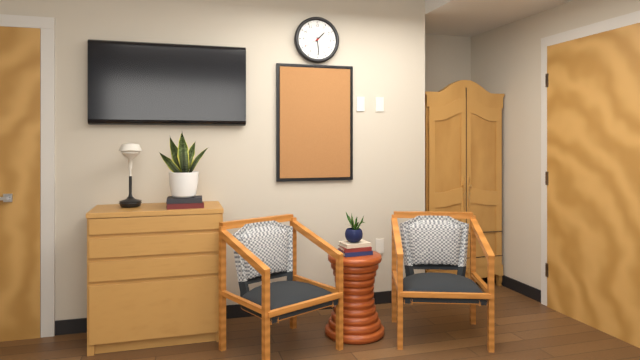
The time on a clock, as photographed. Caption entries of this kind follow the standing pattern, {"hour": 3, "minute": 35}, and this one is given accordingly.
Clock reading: {"hour": 1, "minute": 29}
